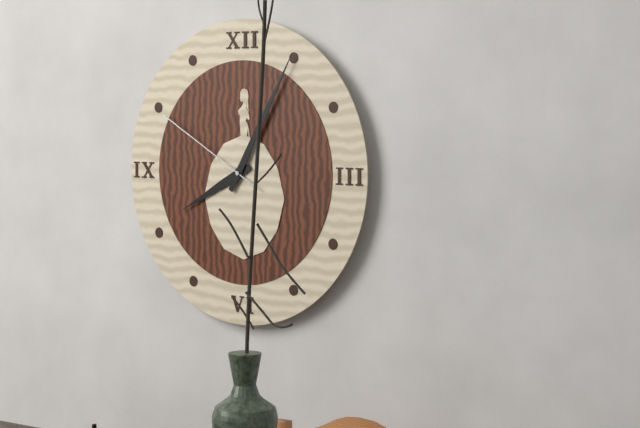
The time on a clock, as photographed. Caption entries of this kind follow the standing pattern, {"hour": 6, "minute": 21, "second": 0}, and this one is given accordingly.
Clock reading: {"hour": 8, "minute": 5, "second": 50}
